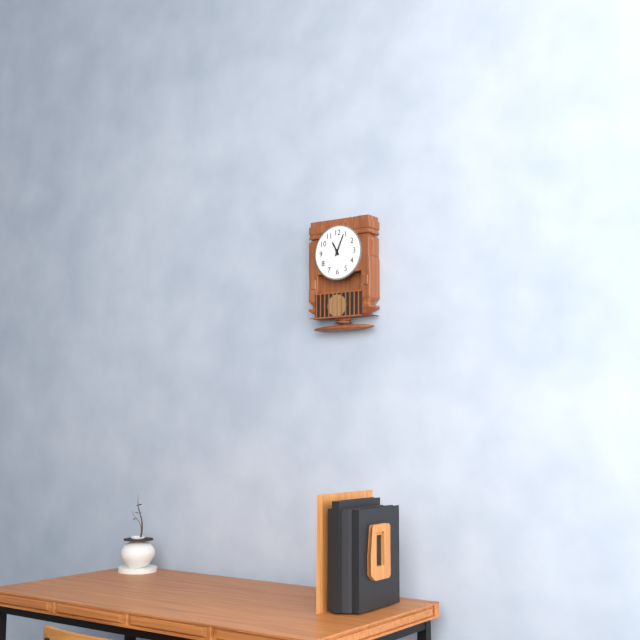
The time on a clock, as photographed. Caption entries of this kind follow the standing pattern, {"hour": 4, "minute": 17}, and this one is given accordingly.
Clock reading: {"hour": 11, "minute": 4}
